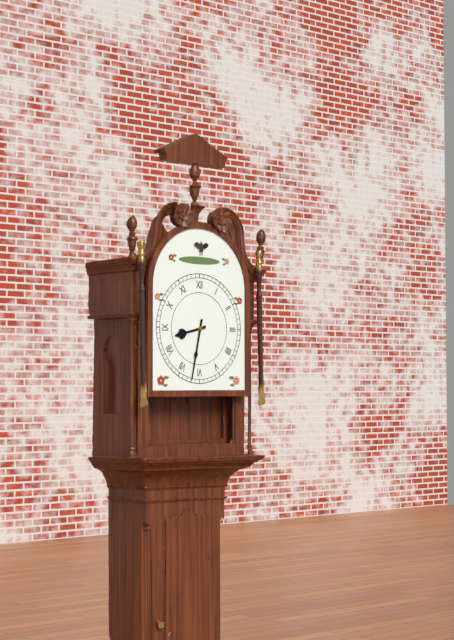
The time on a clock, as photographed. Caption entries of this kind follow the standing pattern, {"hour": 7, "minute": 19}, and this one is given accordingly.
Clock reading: {"hour": 8, "minute": 32}
